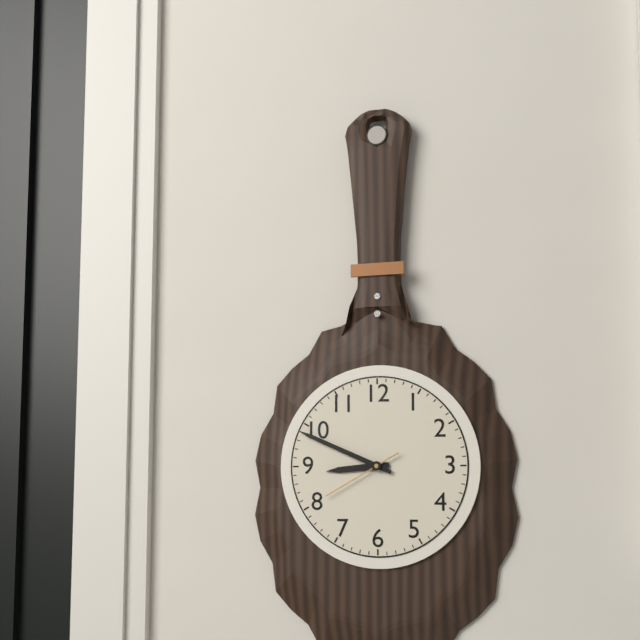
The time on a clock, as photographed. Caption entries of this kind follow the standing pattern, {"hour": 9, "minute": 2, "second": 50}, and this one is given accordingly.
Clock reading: {"hour": 8, "minute": 49, "second": 40}
